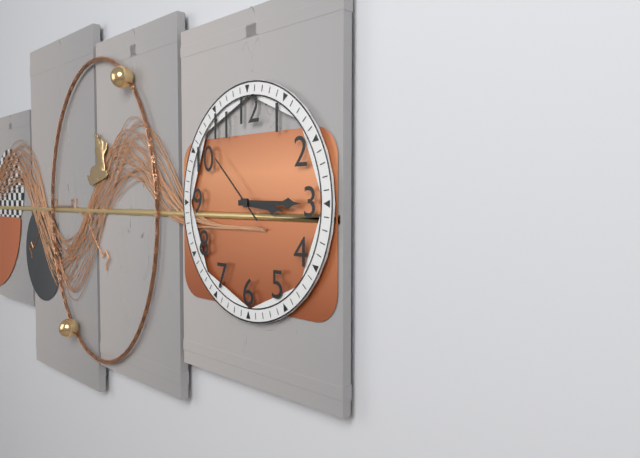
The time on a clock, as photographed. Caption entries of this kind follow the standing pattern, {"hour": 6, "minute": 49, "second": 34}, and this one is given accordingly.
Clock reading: {"hour": 3, "minute": 15, "second": 52}
